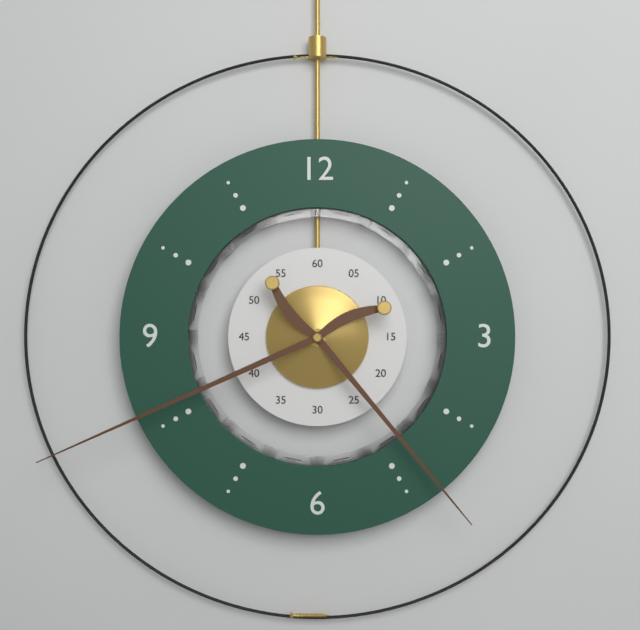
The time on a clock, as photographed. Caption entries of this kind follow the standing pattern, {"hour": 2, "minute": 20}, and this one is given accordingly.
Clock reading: {"hour": 4, "minute": 41}
